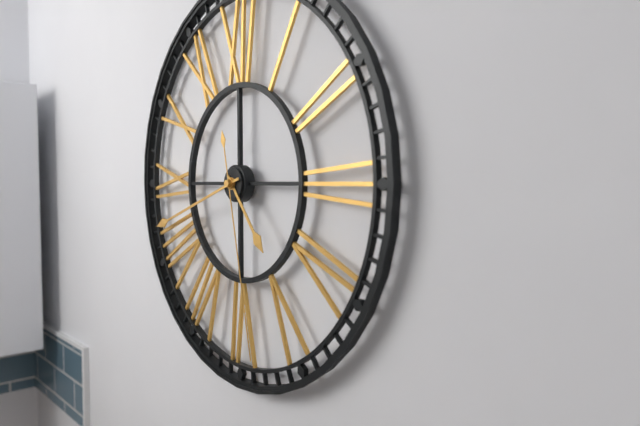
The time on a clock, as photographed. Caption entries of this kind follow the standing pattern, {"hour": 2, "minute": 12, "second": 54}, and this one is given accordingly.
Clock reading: {"hour": 4, "minute": 42, "second": 28}
